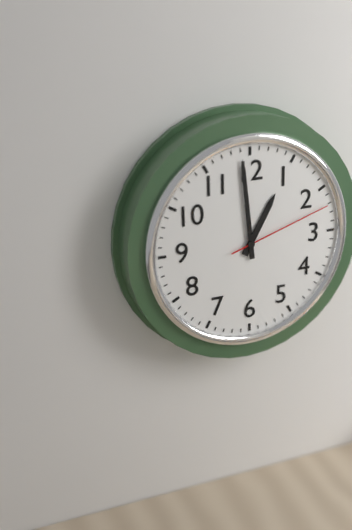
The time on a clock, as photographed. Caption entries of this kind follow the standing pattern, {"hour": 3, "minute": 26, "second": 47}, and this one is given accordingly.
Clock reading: {"hour": 12, "minute": 59, "second": 12}
